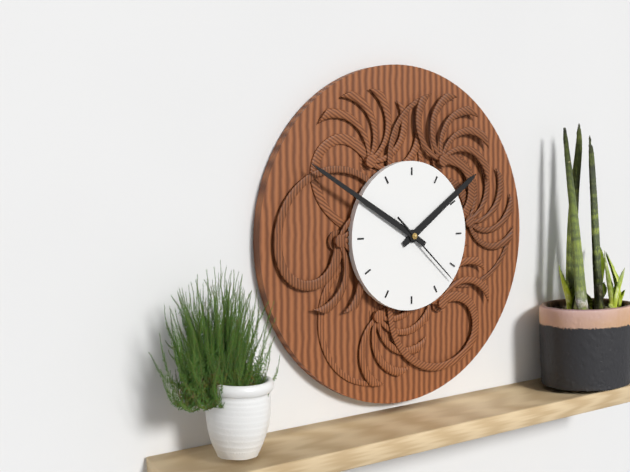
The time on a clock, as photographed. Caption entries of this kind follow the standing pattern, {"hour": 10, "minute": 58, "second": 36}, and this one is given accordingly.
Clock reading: {"hour": 1, "minute": 50, "second": 22}
